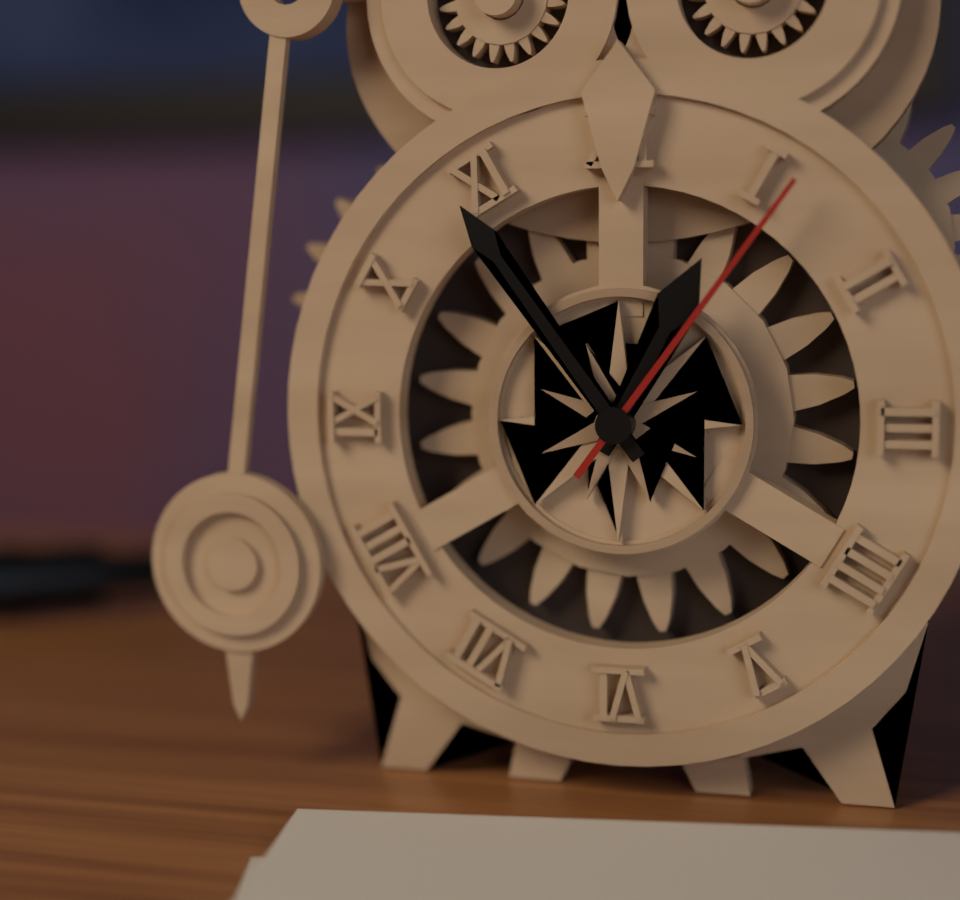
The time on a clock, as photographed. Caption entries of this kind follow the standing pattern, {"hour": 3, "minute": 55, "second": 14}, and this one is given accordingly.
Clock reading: {"hour": 12, "minute": 54, "second": 6}
